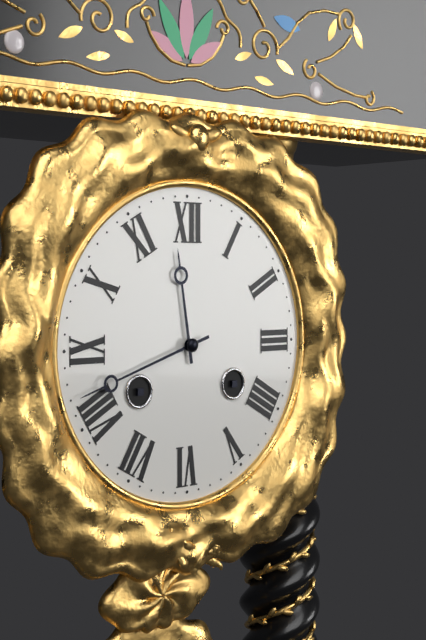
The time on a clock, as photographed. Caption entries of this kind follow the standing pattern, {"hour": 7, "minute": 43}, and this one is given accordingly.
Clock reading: {"hour": 11, "minute": 42}
